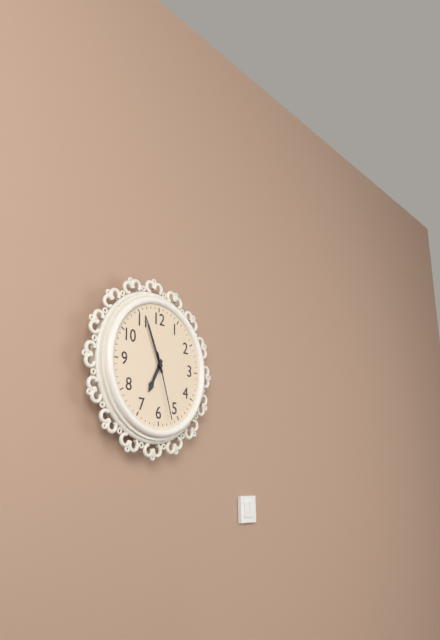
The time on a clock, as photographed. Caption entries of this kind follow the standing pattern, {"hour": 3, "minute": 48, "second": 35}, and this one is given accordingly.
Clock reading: {"hour": 6, "minute": 56, "second": 27}
